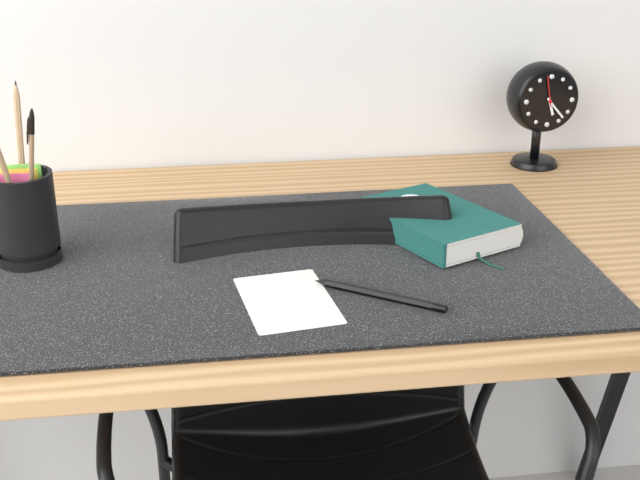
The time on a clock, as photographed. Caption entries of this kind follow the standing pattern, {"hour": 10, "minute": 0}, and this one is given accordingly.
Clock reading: {"hour": 5, "minute": 23}
